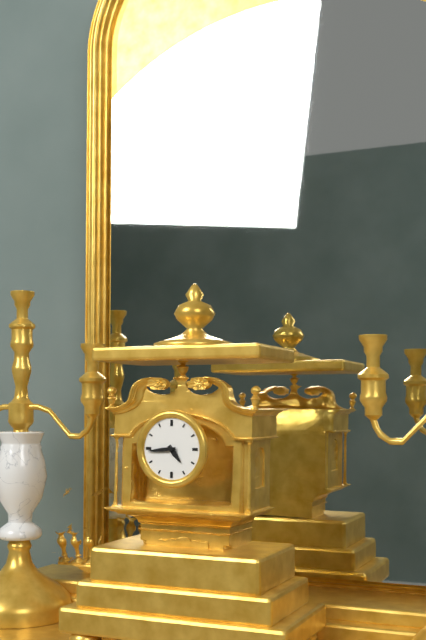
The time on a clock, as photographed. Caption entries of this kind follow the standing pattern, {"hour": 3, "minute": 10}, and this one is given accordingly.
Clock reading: {"hour": 4, "minute": 44}
